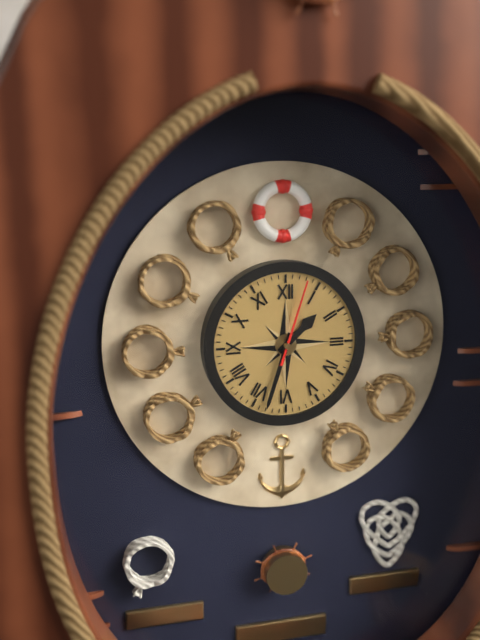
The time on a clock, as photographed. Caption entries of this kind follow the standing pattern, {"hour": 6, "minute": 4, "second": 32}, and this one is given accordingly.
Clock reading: {"hour": 1, "minute": 33, "second": 3}
